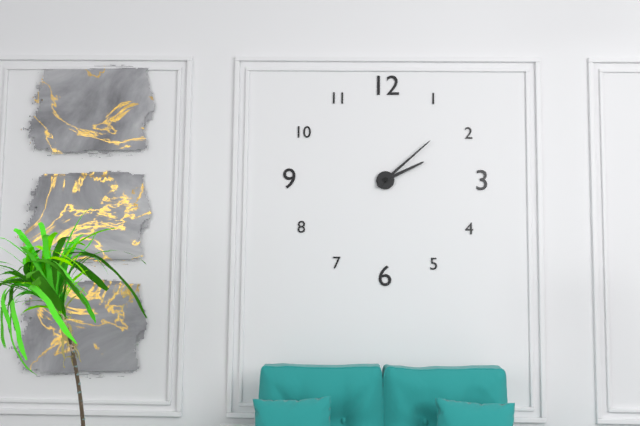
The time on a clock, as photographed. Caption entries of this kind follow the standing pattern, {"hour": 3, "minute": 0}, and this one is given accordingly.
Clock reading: {"hour": 2, "minute": 8}
